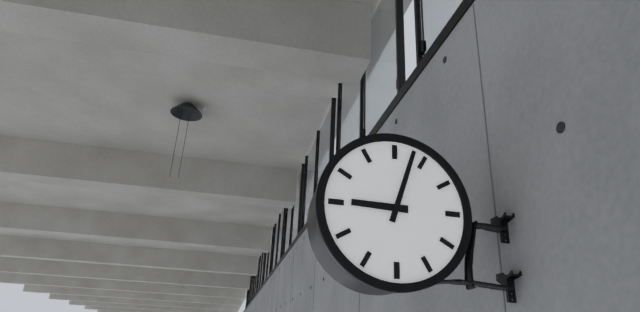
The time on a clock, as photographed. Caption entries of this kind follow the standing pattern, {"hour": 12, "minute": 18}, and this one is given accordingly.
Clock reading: {"hour": 9, "minute": 3}
